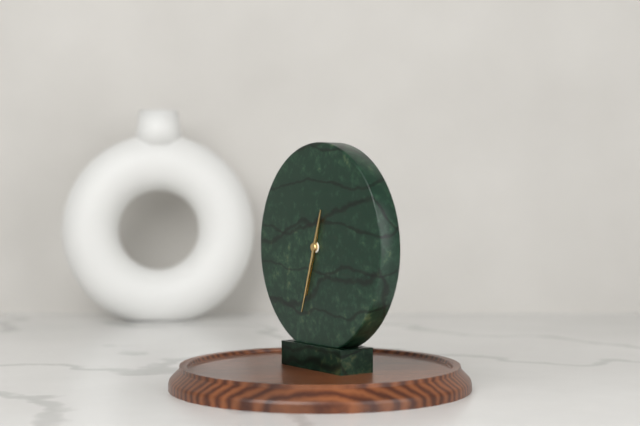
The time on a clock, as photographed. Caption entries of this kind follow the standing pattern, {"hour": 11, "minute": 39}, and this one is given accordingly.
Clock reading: {"hour": 6, "minute": 33}
